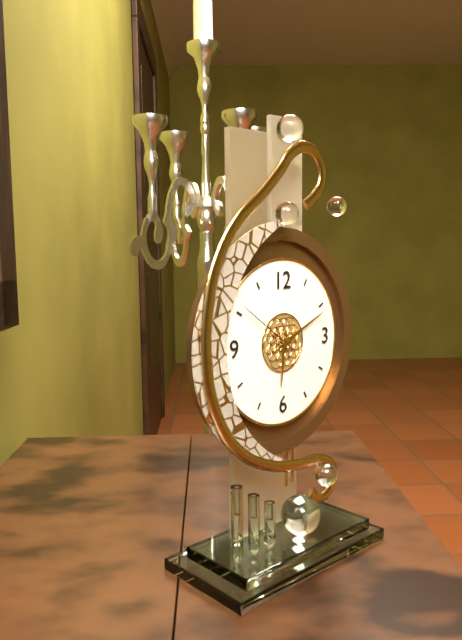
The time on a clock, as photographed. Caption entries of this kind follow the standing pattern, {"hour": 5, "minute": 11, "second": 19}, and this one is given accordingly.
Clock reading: {"hour": 6, "minute": 11, "second": 51}
